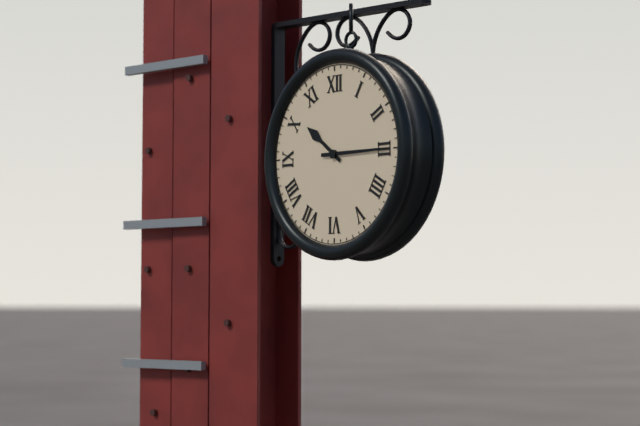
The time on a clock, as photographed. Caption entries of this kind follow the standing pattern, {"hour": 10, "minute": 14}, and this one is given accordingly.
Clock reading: {"hour": 10, "minute": 15}
